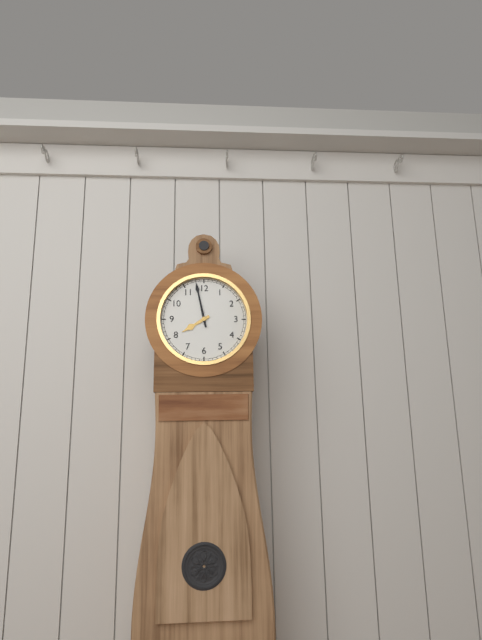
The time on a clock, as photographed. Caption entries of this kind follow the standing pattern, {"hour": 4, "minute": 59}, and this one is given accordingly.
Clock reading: {"hour": 7, "minute": 58}
